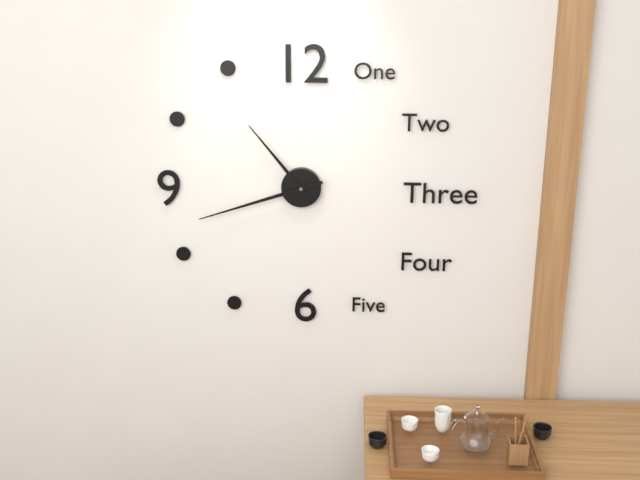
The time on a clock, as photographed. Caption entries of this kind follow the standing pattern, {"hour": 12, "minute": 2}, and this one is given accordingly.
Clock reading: {"hour": 10, "minute": 42}
